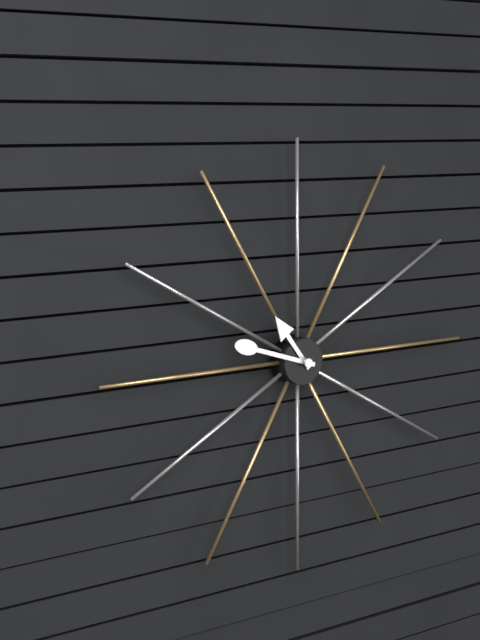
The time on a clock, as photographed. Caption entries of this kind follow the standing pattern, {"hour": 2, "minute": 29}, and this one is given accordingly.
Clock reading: {"hour": 10, "minute": 48}
